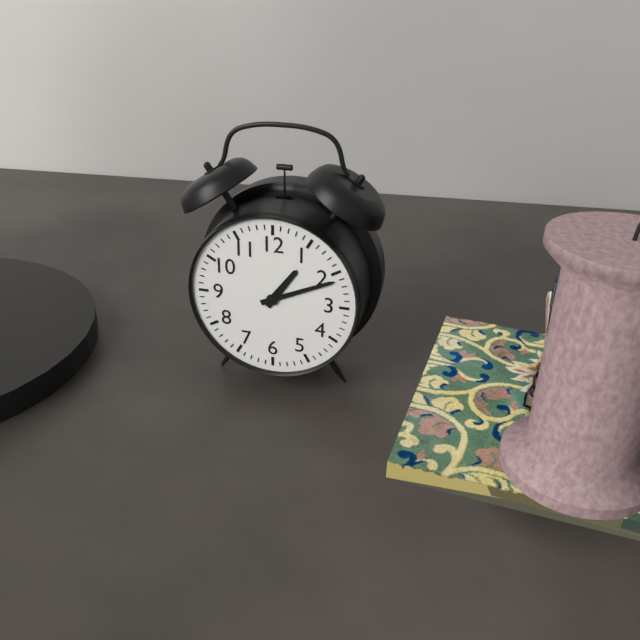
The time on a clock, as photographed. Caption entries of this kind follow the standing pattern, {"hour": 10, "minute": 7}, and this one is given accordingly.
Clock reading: {"hour": 1, "minute": 11}
